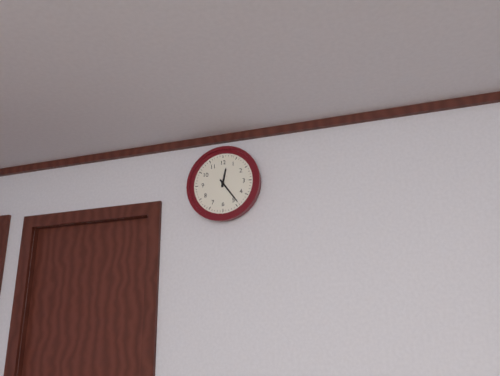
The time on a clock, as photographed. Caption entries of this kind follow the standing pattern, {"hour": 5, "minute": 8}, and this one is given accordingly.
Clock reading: {"hour": 12, "minute": 24}
